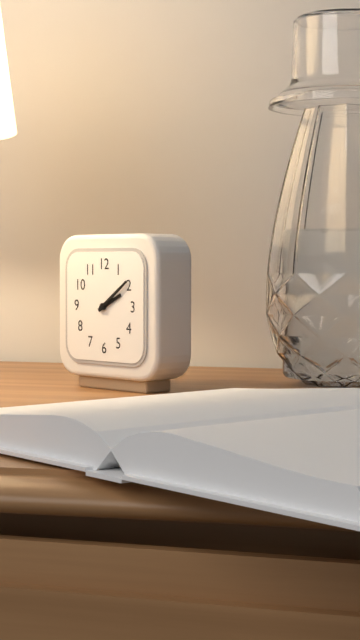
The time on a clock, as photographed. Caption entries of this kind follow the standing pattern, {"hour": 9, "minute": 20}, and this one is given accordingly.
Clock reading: {"hour": 2, "minute": 9}
